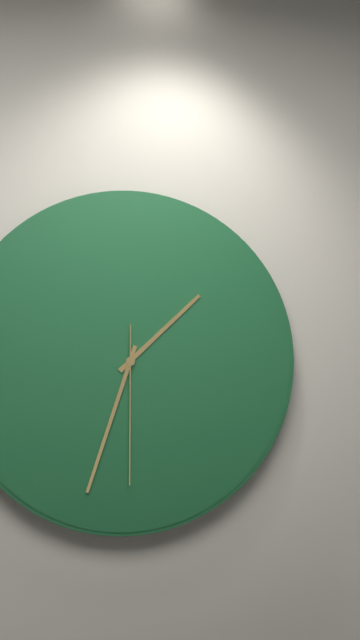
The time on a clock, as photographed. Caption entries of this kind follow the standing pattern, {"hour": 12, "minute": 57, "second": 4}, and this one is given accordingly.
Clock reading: {"hour": 1, "minute": 33, "second": 30}
